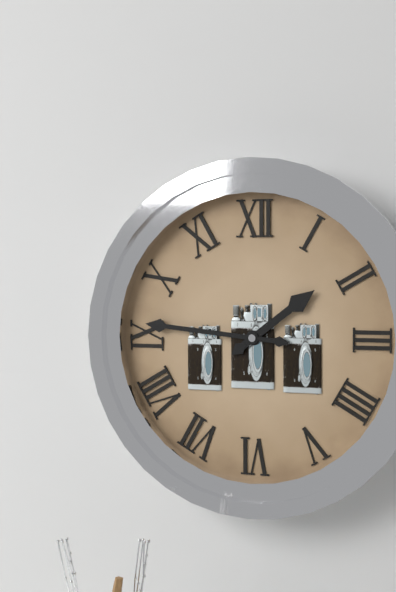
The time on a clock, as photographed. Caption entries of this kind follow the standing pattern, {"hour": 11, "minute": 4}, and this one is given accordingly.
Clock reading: {"hour": 1, "minute": 46}
